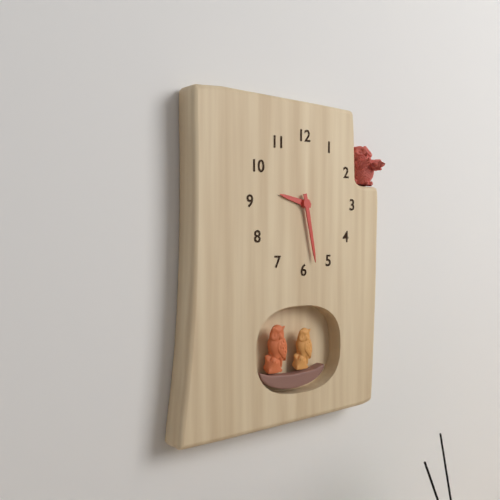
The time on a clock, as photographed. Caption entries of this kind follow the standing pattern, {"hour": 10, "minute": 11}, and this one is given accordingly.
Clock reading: {"hour": 9, "minute": 28}
